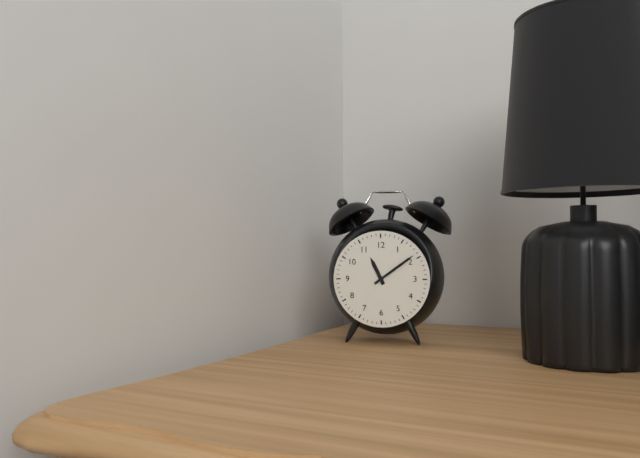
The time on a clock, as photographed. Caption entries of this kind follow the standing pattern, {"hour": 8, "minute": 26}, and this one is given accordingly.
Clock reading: {"hour": 11, "minute": 9}
